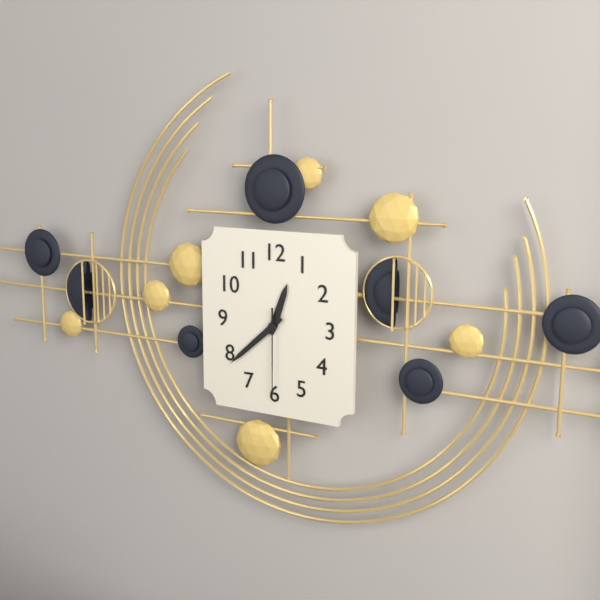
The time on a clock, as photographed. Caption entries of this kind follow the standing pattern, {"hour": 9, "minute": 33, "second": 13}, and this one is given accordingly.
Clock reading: {"hour": 12, "minute": 38, "second": 30}
